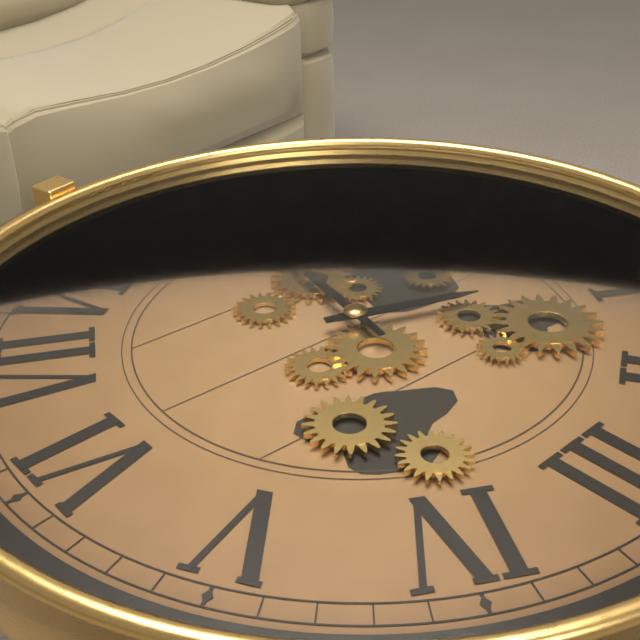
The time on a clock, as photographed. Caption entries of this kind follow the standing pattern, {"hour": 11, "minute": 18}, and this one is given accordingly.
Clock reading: {"hour": 12, "minute": 47}
